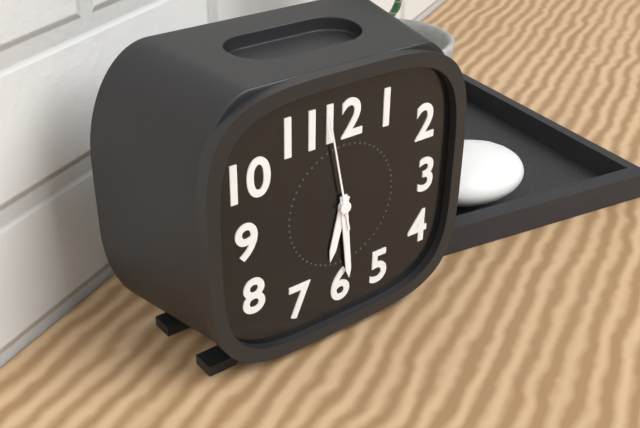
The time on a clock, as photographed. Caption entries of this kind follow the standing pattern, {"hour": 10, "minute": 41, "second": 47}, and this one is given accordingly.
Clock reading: {"hour": 6, "minute": 29, "second": 58}
